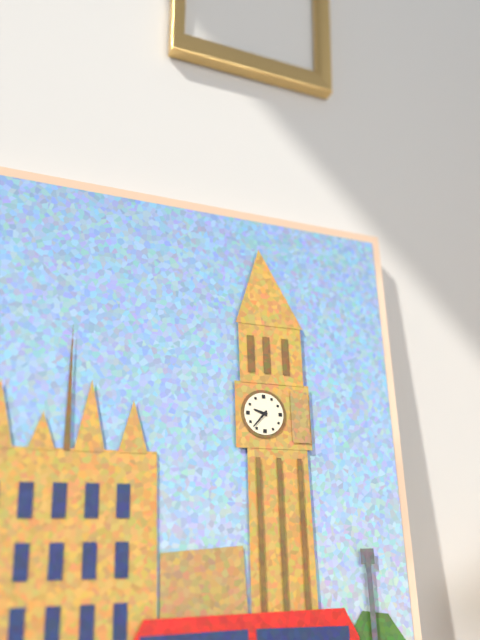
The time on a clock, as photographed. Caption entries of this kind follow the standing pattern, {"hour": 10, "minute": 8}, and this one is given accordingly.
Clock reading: {"hour": 9, "minute": 37}
